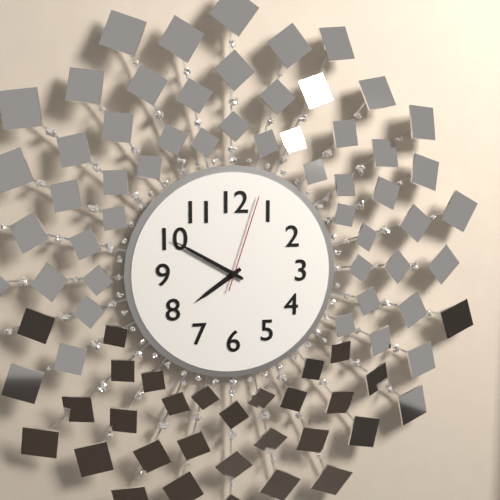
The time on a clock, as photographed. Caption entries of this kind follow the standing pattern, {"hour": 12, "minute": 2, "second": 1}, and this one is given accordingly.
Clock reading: {"hour": 7, "minute": 50, "second": 3}
